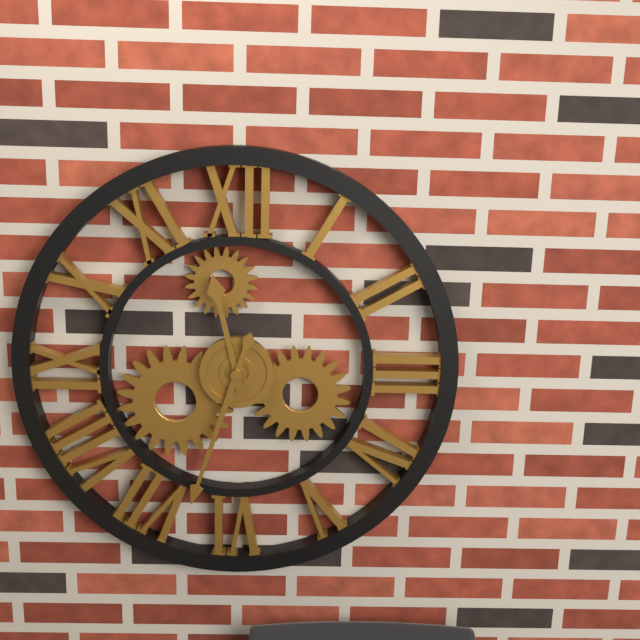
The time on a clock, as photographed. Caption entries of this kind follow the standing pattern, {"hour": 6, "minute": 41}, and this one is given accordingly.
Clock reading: {"hour": 11, "minute": 33}
